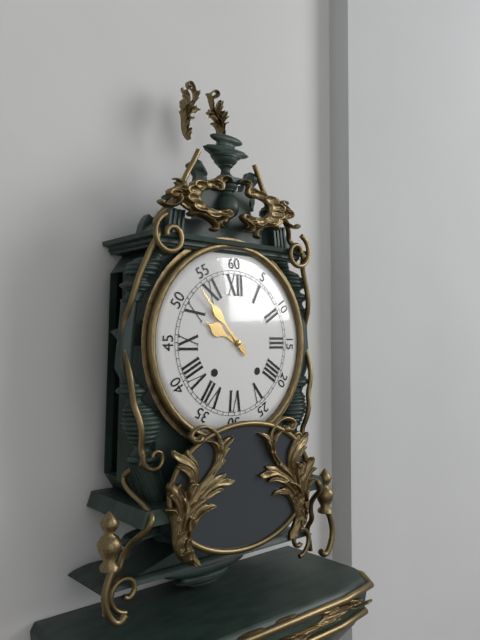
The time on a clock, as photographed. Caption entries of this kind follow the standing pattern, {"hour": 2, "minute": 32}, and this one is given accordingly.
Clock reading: {"hour": 9, "minute": 53}
